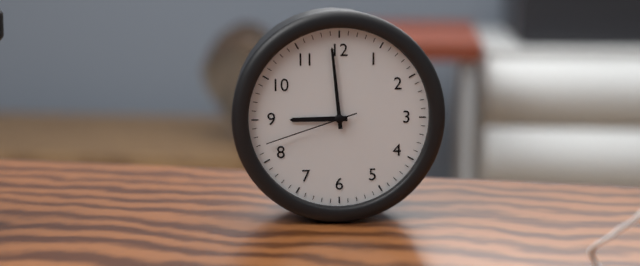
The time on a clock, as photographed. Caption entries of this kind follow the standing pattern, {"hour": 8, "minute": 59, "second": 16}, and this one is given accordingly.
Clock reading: {"hour": 8, "minute": 59, "second": 42}
